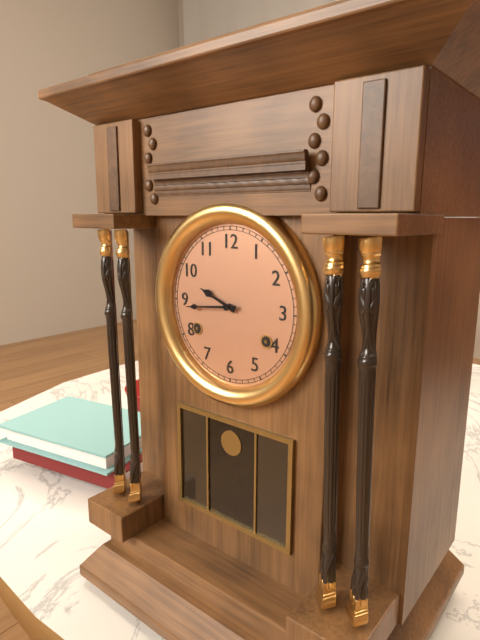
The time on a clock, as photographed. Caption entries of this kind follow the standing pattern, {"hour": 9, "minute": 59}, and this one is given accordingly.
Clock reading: {"hour": 9, "minute": 44}
